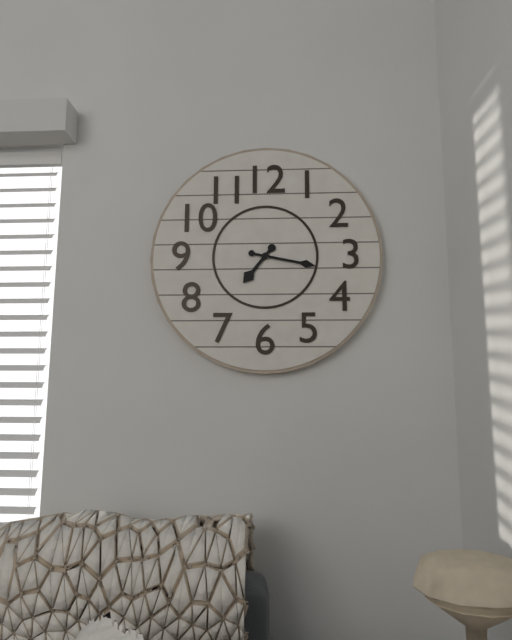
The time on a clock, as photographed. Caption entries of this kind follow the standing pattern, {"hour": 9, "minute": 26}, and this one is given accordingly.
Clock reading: {"hour": 7, "minute": 17}
